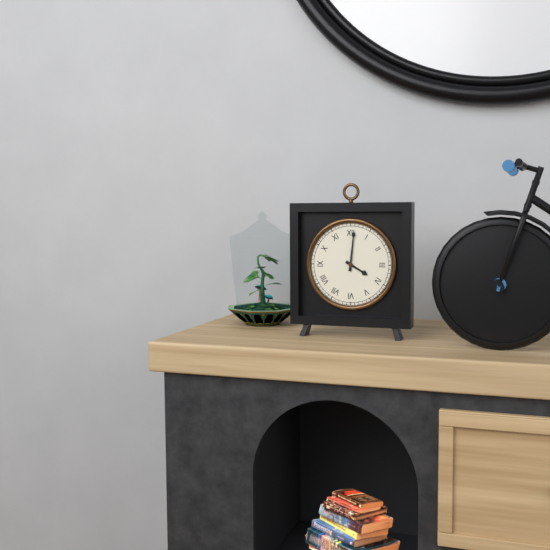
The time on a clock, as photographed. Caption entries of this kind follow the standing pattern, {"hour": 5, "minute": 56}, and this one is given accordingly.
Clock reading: {"hour": 4, "minute": 1}
